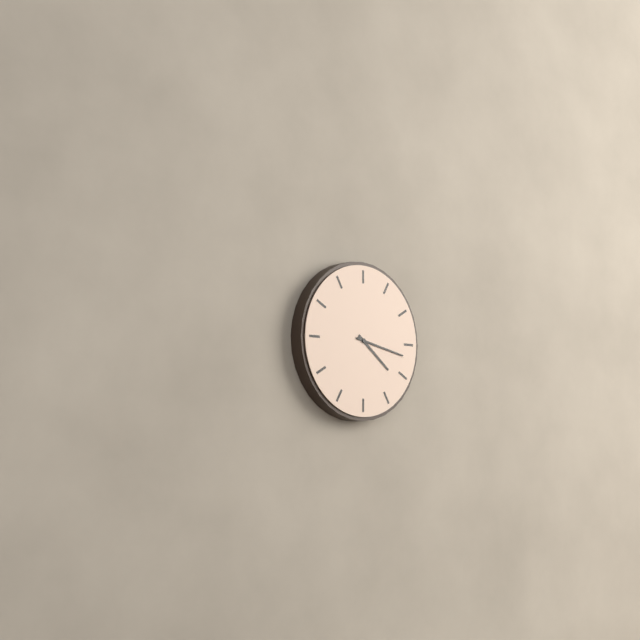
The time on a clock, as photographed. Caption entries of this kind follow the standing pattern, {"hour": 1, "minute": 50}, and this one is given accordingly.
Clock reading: {"hour": 4, "minute": 17}
